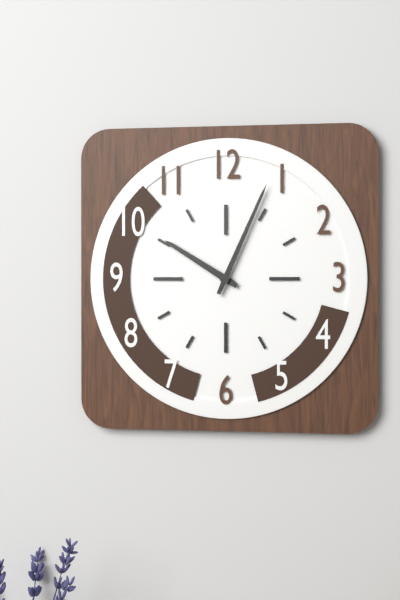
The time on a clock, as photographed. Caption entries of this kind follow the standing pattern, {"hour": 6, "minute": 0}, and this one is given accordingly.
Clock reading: {"hour": 10, "minute": 4}
